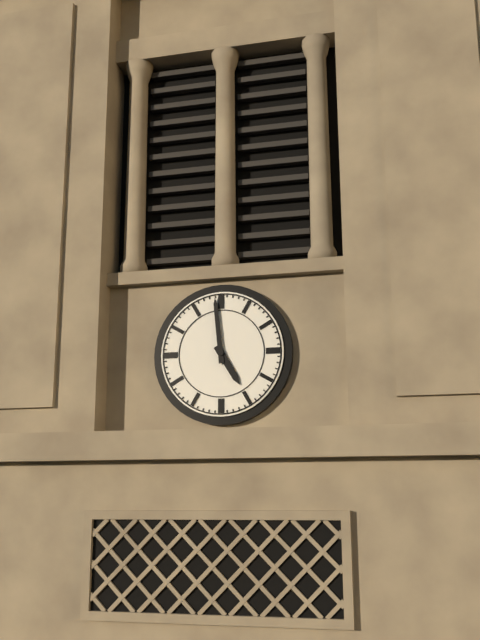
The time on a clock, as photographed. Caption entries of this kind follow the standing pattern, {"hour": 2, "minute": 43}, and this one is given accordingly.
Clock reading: {"hour": 4, "minute": 59}
